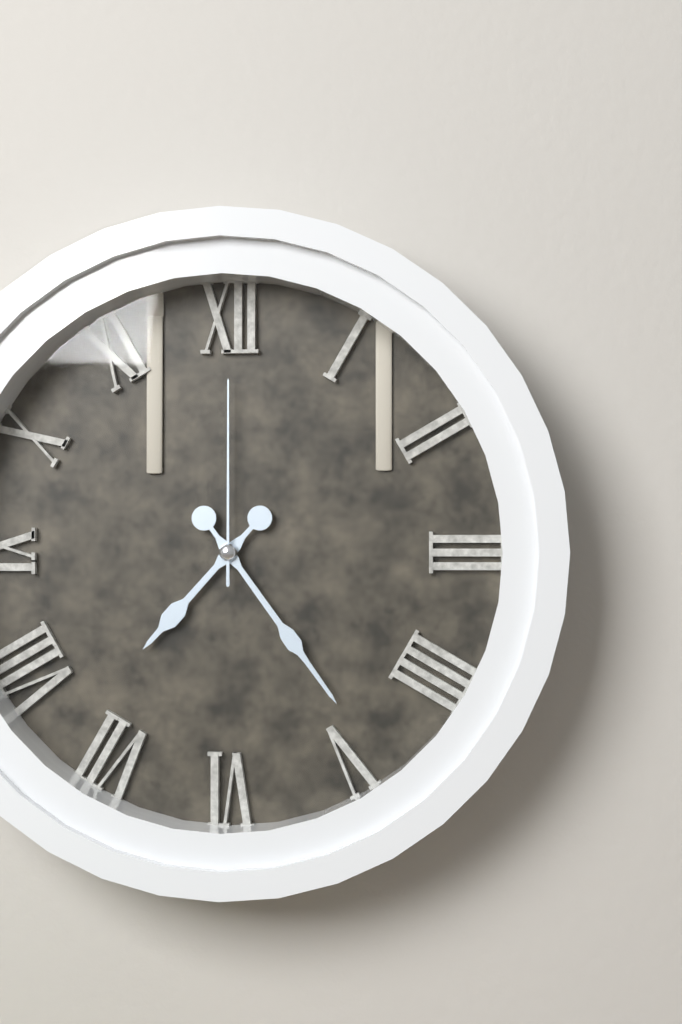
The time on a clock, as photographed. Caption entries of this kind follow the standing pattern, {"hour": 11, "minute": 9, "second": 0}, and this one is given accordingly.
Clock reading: {"hour": 7, "minute": 24, "second": 0}
